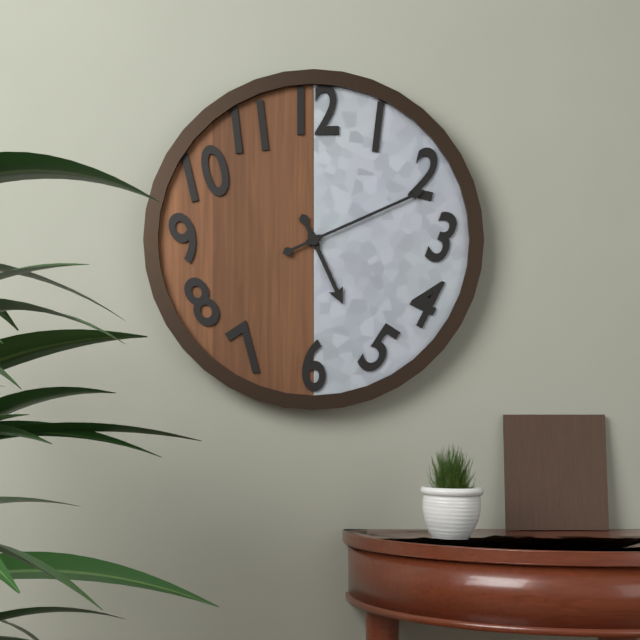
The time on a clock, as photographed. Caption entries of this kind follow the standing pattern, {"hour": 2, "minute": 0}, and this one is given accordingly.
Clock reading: {"hour": 5, "minute": 11}
